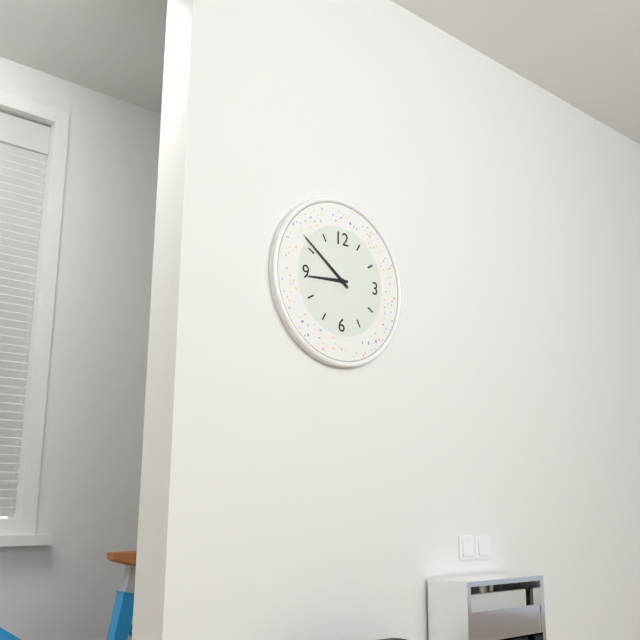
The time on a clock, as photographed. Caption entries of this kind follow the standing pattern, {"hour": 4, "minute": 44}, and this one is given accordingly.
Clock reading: {"hour": 8, "minute": 51}
